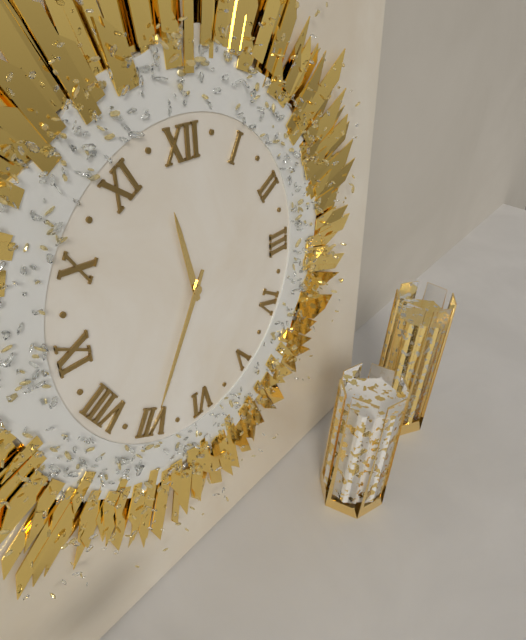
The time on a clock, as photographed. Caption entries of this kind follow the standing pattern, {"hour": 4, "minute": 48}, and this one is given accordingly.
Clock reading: {"hour": 11, "minute": 35}
